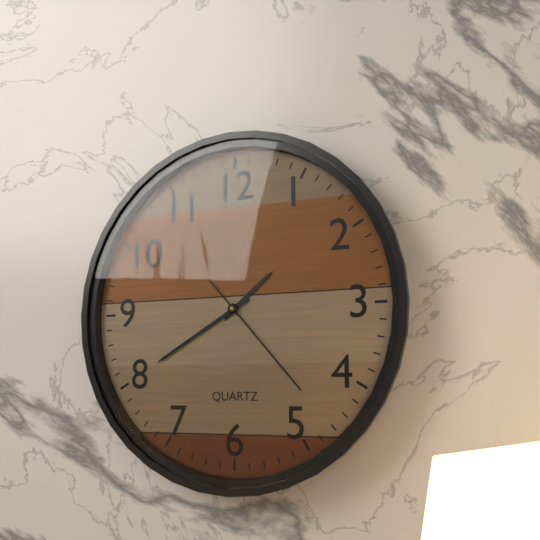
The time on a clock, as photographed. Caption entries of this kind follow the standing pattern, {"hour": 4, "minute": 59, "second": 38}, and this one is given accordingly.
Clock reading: {"hour": 1, "minute": 40, "second": 23}
